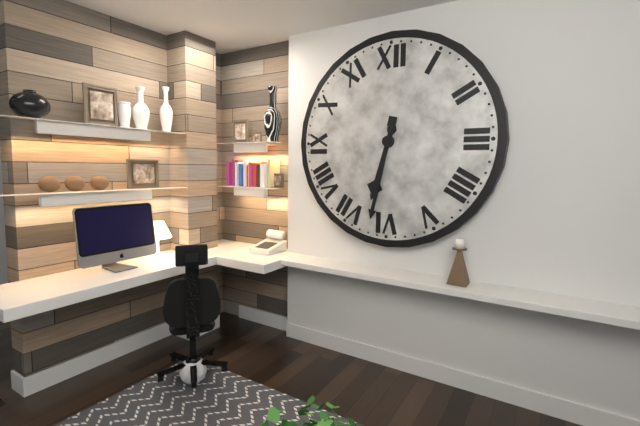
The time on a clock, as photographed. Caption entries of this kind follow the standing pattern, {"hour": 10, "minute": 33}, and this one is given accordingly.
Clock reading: {"hour": 6, "minute": 32}
